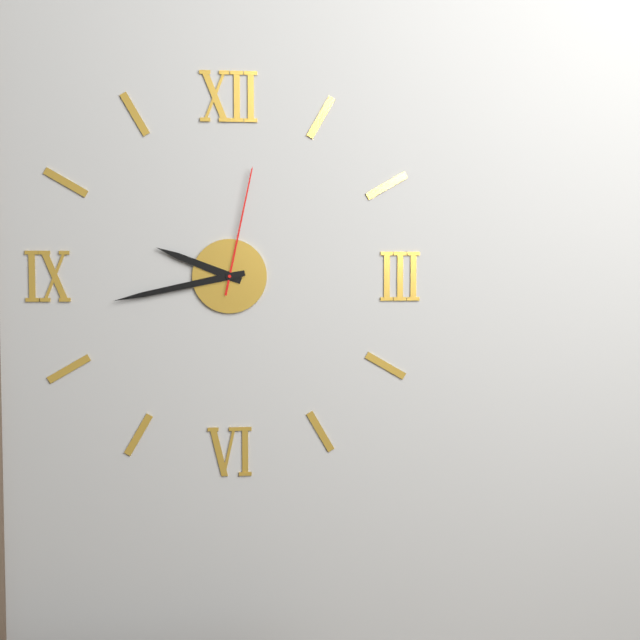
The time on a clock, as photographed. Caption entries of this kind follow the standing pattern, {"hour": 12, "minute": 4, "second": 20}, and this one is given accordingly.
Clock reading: {"hour": 9, "minute": 43, "second": 2}
